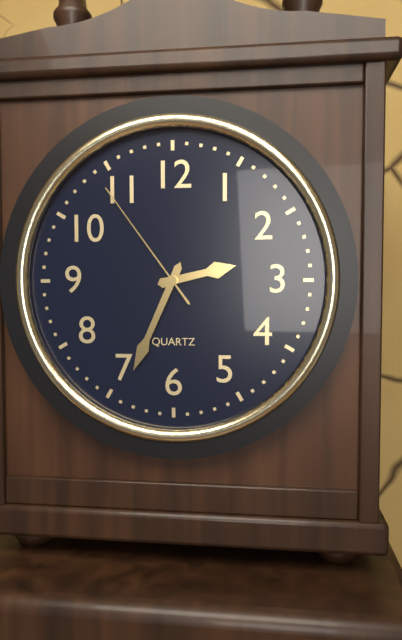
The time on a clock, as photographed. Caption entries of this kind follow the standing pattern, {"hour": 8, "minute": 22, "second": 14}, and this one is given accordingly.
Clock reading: {"hour": 2, "minute": 34, "second": 54}
